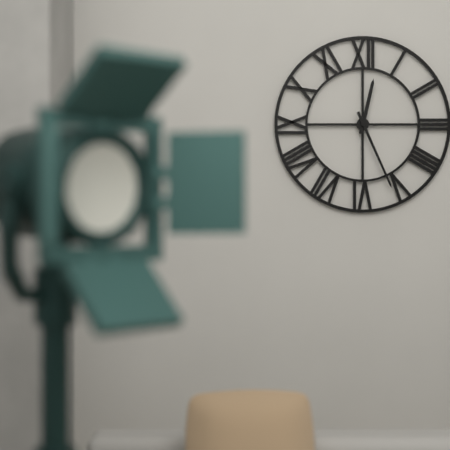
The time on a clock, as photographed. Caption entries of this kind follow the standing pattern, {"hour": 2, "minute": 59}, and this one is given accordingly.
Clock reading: {"hour": 12, "minute": 26}
